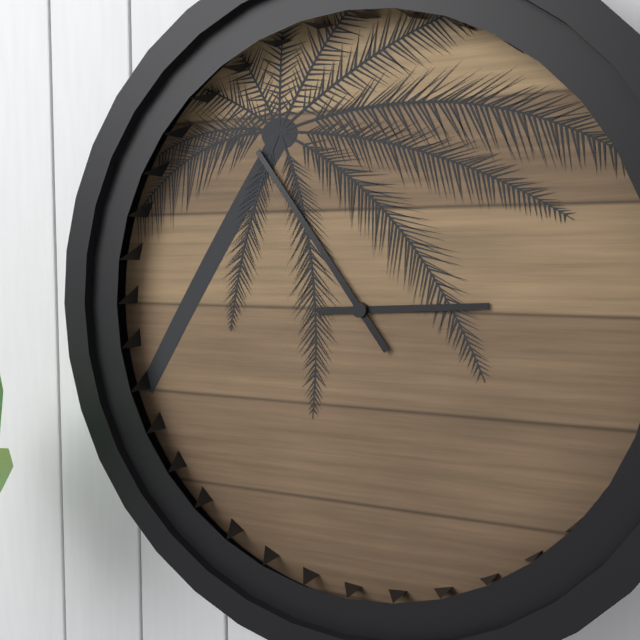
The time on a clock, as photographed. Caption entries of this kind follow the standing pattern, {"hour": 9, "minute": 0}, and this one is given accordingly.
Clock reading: {"hour": 2, "minute": 54}
